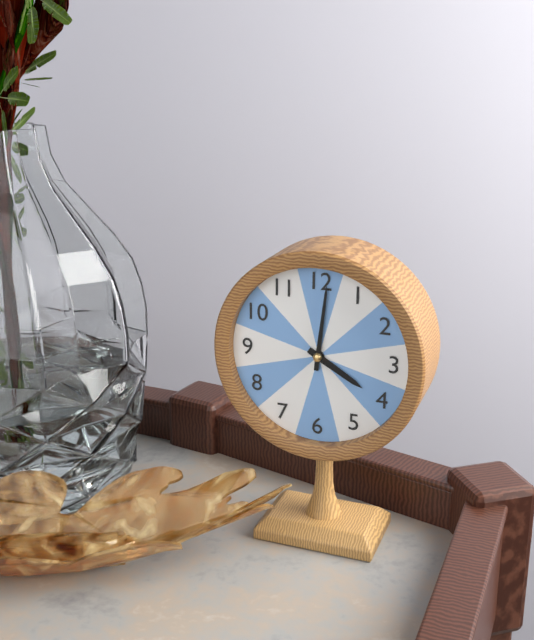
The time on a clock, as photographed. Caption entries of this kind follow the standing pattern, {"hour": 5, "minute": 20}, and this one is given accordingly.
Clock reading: {"hour": 4, "minute": 1}
